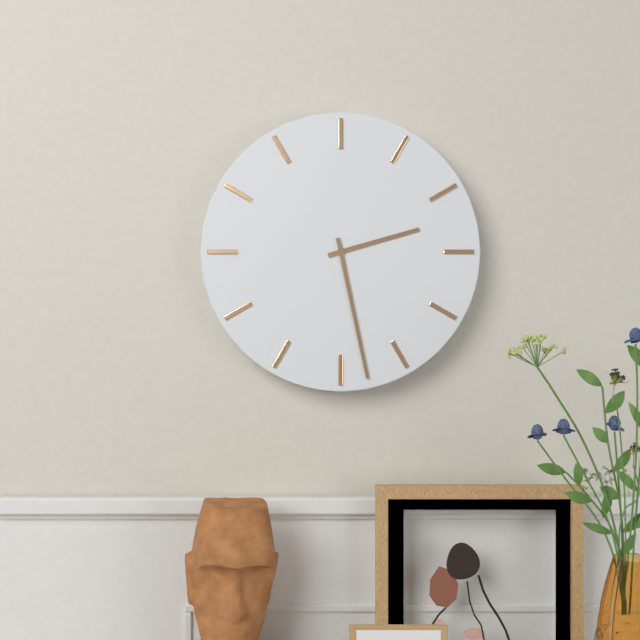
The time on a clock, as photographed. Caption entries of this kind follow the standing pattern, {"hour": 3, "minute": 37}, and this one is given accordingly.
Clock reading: {"hour": 2, "minute": 28}
